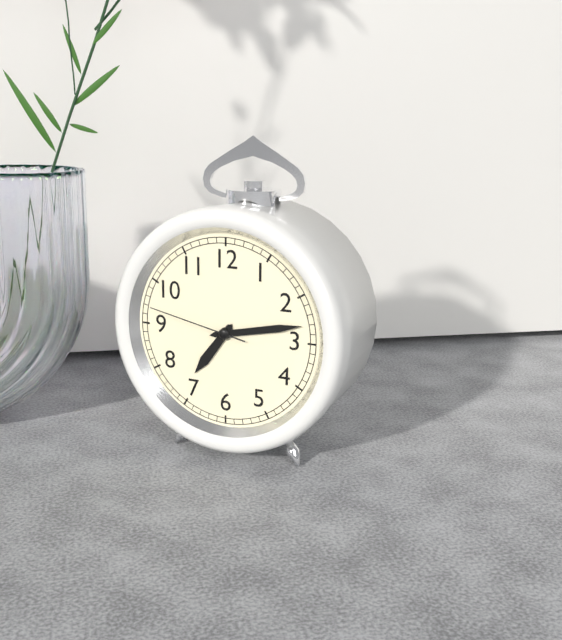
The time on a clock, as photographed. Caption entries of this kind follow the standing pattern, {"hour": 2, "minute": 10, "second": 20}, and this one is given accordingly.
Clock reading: {"hour": 7, "minute": 13, "second": 47}
